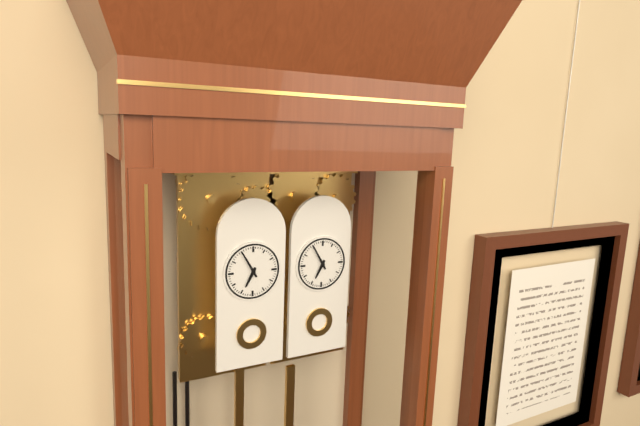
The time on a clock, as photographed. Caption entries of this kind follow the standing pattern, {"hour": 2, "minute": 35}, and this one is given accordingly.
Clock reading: {"hour": 6, "minute": 55}
